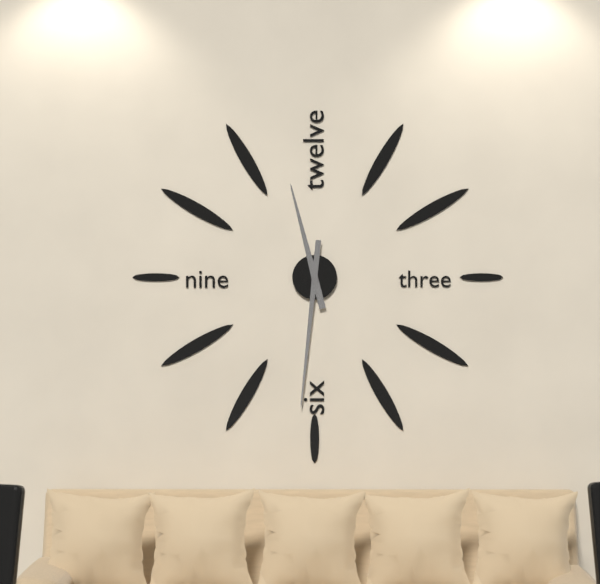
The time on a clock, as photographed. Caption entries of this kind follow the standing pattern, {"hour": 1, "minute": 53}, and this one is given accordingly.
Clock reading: {"hour": 11, "minute": 31}
